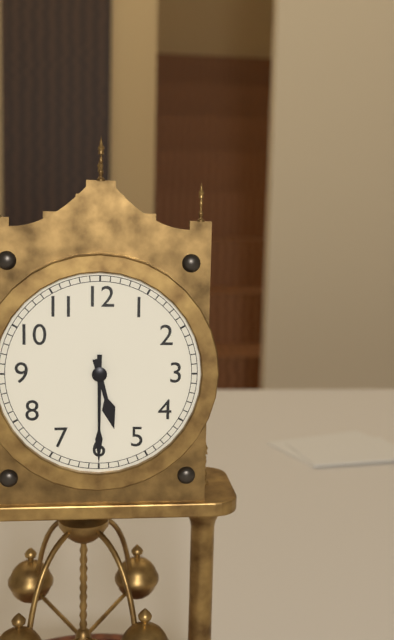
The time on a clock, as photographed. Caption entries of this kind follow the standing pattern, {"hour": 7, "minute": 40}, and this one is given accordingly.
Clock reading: {"hour": 5, "minute": 30}
